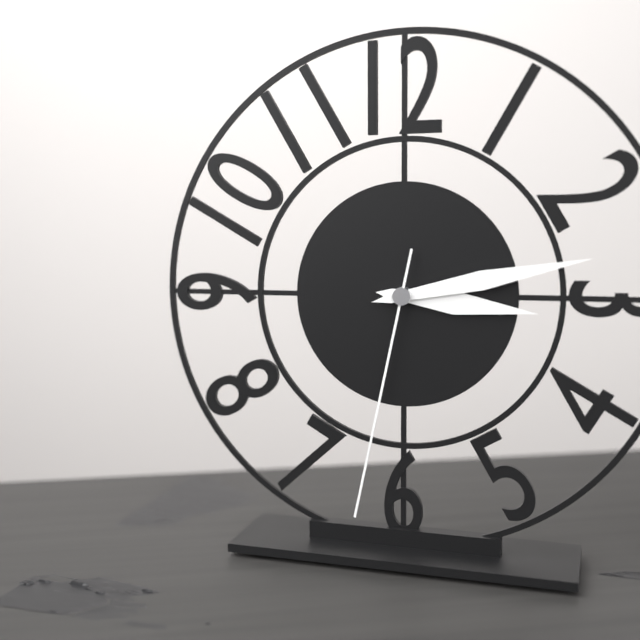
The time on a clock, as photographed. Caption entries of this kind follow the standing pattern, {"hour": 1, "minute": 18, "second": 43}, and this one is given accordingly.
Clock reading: {"hour": 3, "minute": 13, "second": 32}
